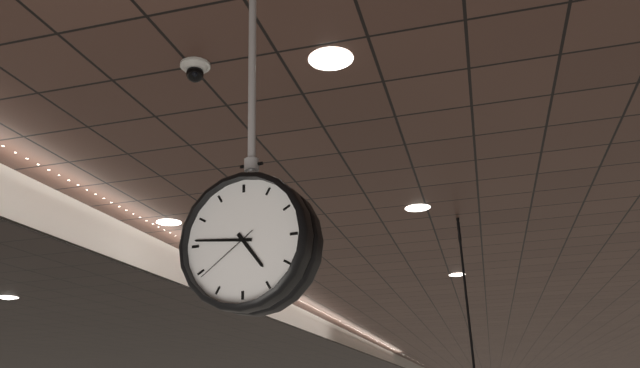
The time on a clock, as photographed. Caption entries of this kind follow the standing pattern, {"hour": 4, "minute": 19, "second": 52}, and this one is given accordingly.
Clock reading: {"hour": 4, "minute": 46, "second": 39}
